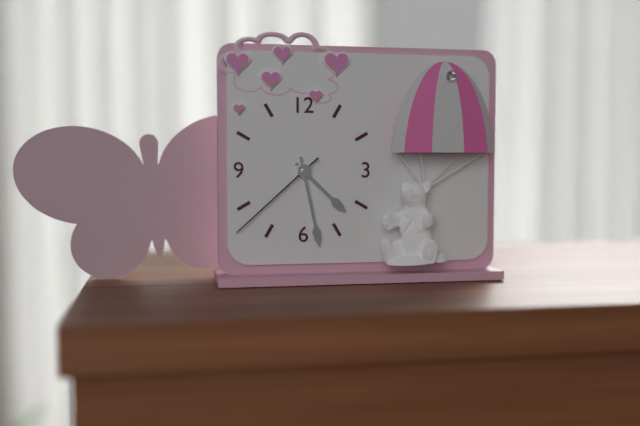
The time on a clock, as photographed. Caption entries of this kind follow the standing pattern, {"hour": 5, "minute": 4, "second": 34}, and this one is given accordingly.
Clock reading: {"hour": 4, "minute": 28, "second": 38}
